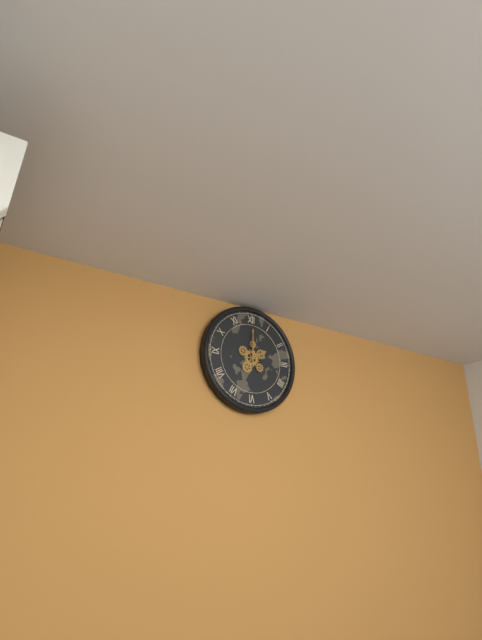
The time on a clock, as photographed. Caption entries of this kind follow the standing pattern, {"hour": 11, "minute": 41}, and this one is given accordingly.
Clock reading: {"hour": 2, "minute": 0}
